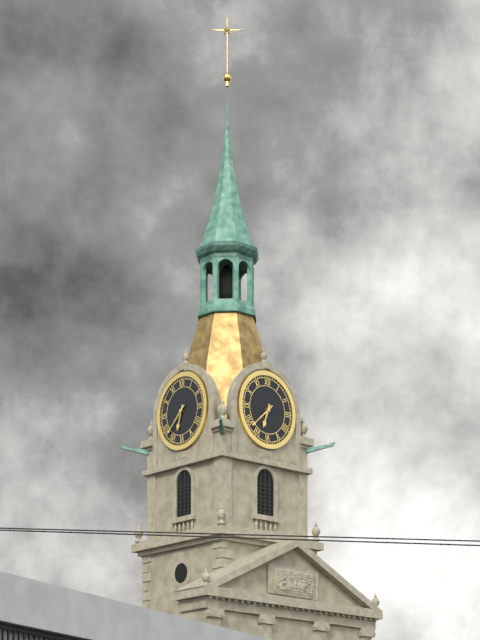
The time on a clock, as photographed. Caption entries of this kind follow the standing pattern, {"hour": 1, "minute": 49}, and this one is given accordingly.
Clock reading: {"hour": 6, "minute": 38}
